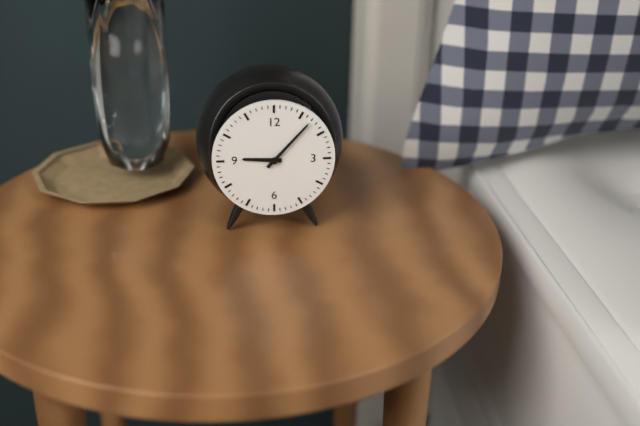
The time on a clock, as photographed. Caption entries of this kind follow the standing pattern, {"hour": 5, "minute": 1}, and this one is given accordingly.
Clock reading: {"hour": 9, "minute": 7}
